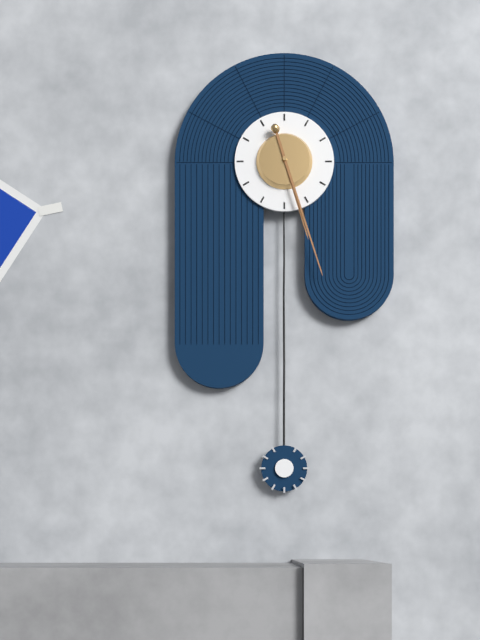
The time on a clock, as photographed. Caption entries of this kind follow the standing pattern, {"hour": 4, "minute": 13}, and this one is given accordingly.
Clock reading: {"hour": 5, "minute": 27}
